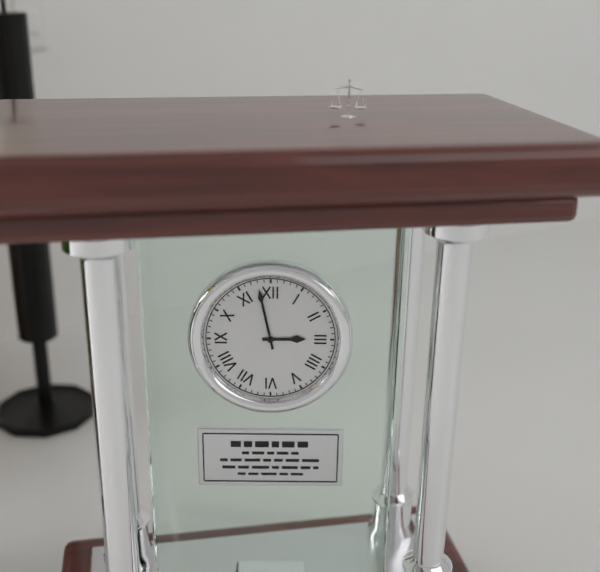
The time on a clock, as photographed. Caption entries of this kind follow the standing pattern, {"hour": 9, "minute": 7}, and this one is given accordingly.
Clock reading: {"hour": 2, "minute": 58}
